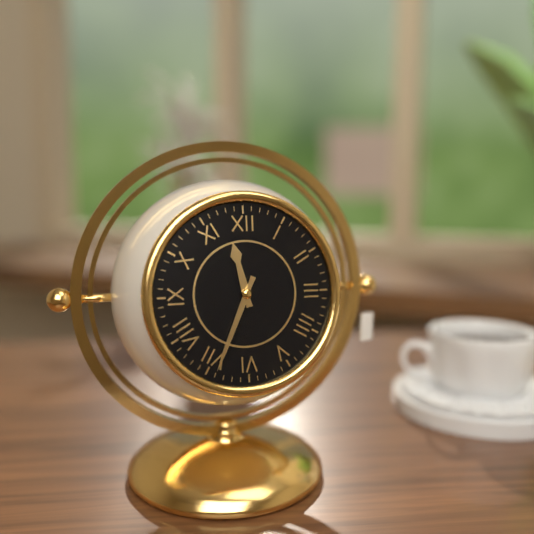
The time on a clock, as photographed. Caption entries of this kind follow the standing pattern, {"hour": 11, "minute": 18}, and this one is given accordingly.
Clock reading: {"hour": 11, "minute": 34}
